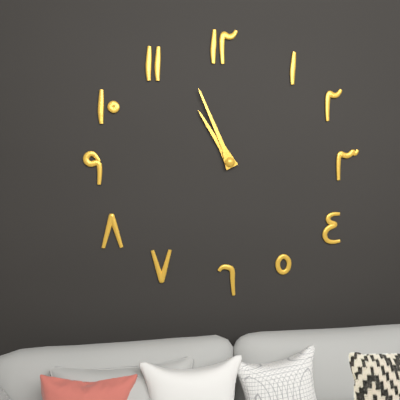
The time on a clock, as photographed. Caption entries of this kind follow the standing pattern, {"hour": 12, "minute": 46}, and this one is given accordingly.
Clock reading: {"hour": 10, "minute": 56}
